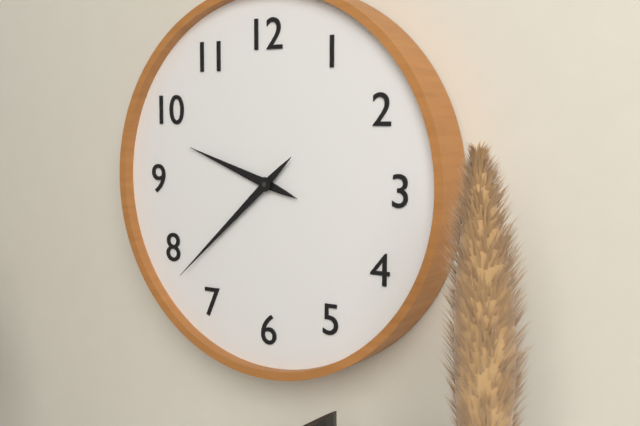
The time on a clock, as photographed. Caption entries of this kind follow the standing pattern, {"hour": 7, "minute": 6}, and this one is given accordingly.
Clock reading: {"hour": 9, "minute": 38}
